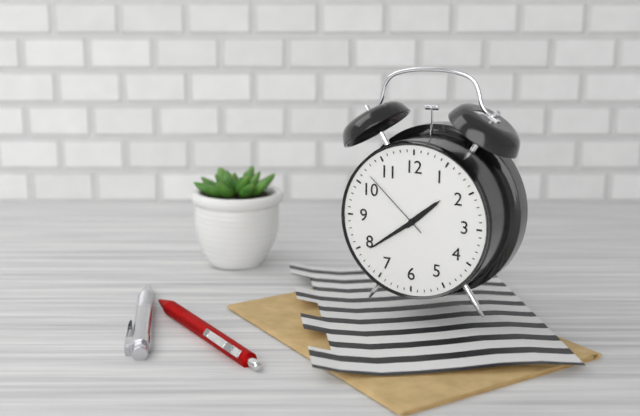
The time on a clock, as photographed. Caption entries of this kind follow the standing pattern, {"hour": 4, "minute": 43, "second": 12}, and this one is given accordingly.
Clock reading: {"hour": 1, "minute": 39, "second": 52}
